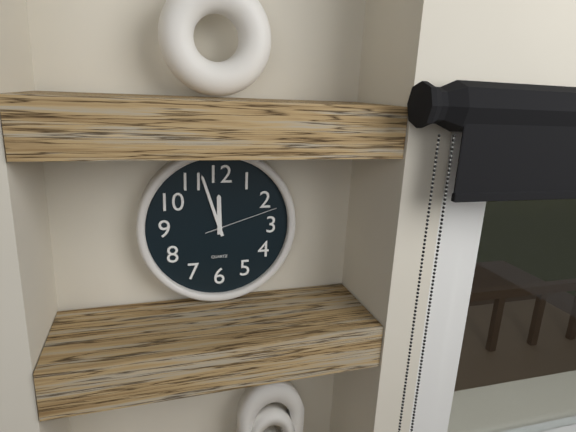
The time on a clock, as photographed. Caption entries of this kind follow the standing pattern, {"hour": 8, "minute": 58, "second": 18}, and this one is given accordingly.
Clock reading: {"hour": 11, "minute": 57, "second": 12}
